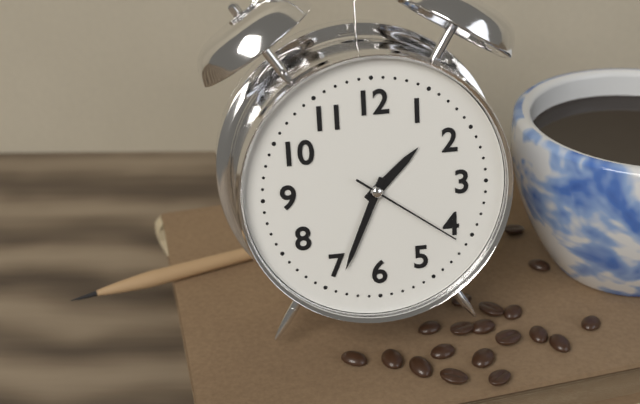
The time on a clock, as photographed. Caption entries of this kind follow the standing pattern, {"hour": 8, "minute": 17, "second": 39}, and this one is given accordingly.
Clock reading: {"hour": 1, "minute": 34, "second": 21}
